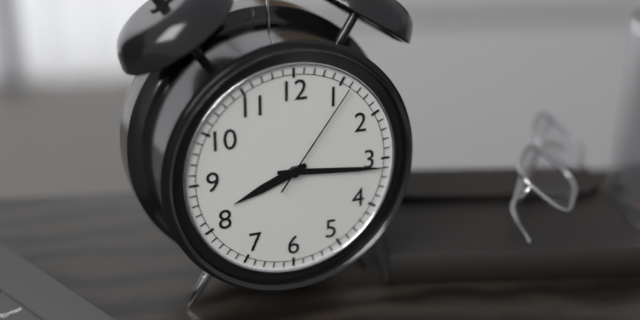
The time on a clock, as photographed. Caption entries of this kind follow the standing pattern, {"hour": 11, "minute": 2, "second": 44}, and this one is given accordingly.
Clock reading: {"hour": 8, "minute": 16, "second": 6}
